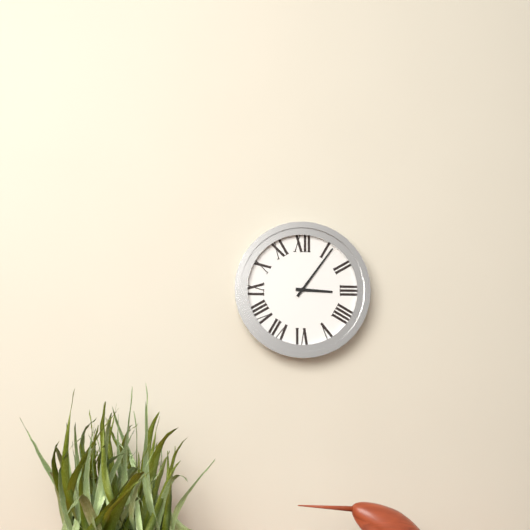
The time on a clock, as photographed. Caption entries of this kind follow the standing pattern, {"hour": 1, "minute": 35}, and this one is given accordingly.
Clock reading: {"hour": 3, "minute": 6}
